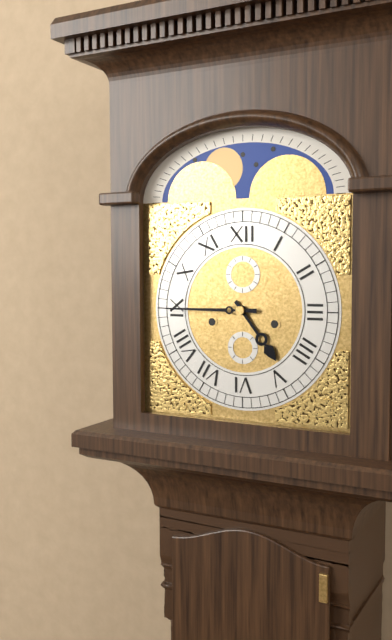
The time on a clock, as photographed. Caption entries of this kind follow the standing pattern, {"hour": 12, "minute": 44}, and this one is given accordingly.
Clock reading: {"hour": 4, "minute": 45}
